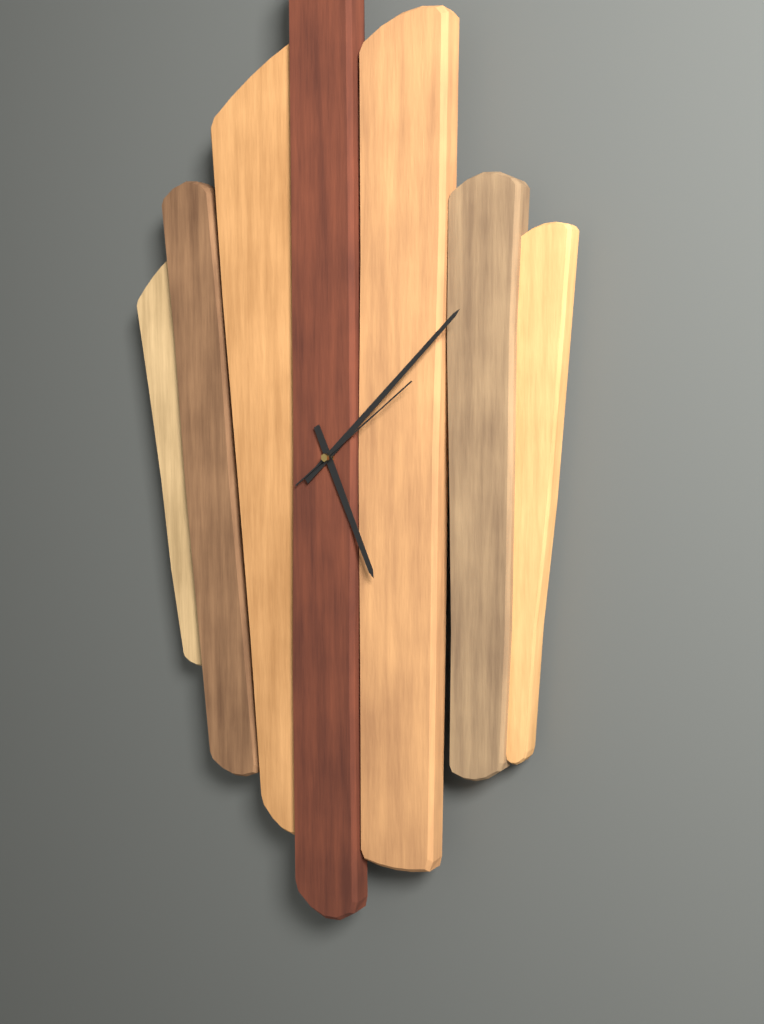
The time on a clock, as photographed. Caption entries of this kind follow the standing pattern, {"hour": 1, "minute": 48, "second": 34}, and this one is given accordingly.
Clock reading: {"hour": 5, "minute": 8, "second": 9}
